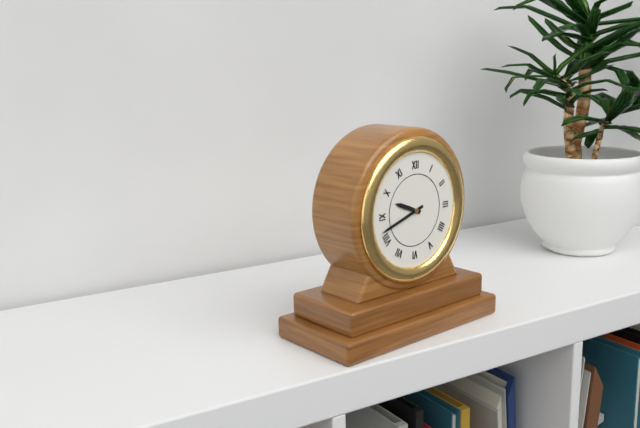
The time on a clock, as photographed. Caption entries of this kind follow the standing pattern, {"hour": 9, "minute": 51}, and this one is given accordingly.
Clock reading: {"hour": 9, "minute": 42}
